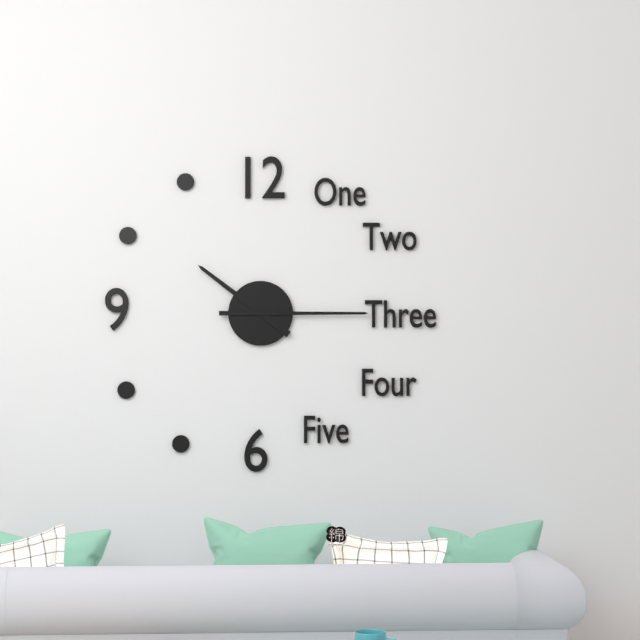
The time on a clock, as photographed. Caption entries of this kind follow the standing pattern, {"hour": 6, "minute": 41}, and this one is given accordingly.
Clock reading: {"hour": 10, "minute": 15}
